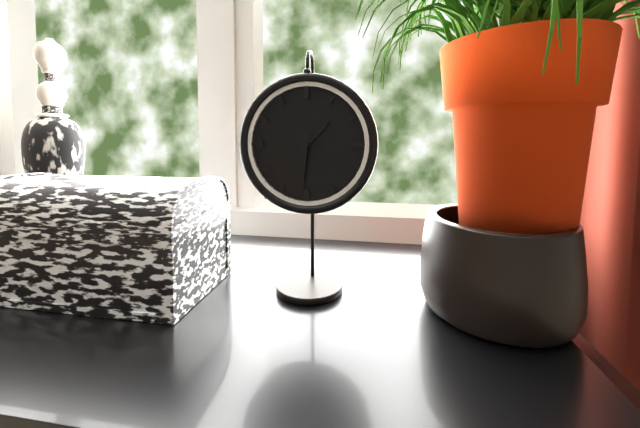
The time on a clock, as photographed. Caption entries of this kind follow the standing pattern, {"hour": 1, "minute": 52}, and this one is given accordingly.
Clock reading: {"hour": 1, "minute": 31}
